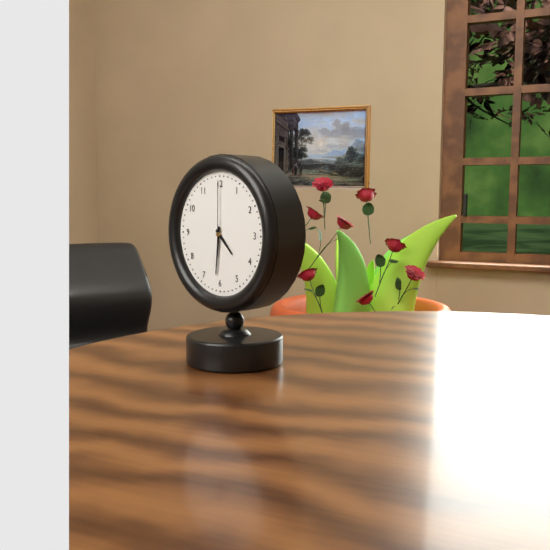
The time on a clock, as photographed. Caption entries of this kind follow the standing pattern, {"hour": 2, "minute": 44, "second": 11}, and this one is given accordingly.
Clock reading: {"hour": 4, "minute": 31, "second": 0}
